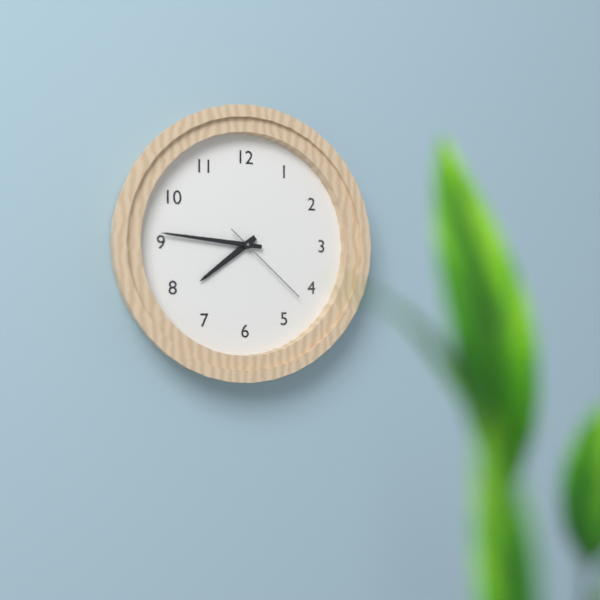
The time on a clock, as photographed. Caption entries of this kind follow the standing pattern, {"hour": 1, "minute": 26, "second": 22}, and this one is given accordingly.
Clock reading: {"hour": 7, "minute": 46, "second": 22}
